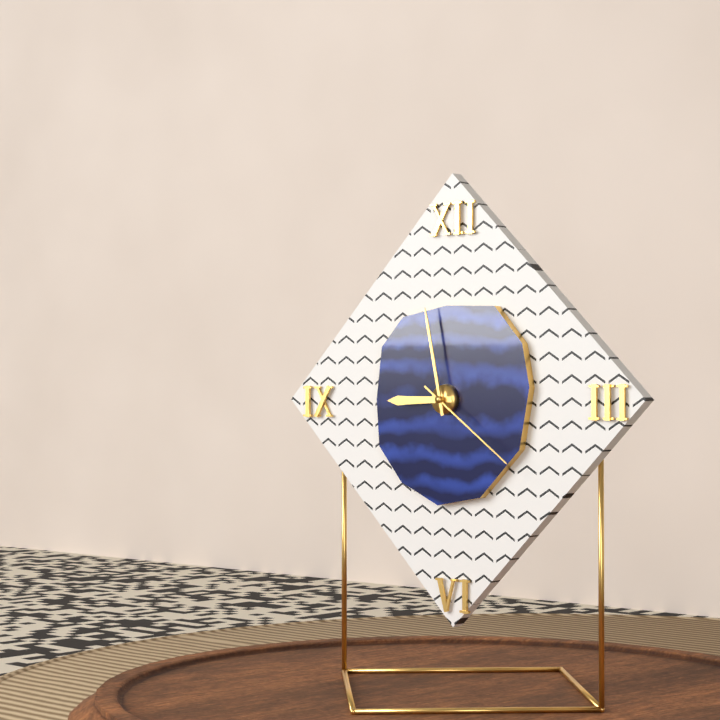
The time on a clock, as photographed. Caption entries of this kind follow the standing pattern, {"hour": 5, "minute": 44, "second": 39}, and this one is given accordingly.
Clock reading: {"hour": 8, "minute": 58, "second": 21}
